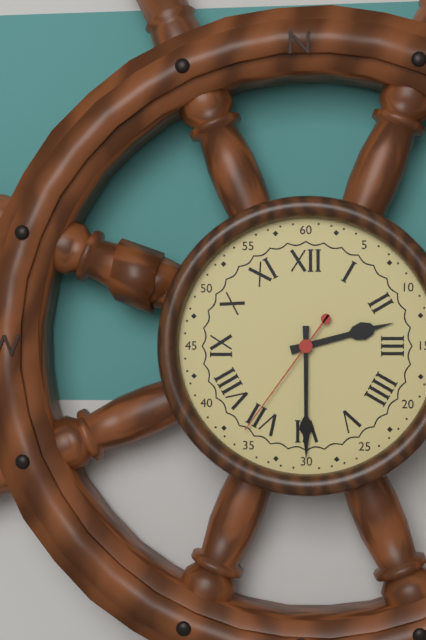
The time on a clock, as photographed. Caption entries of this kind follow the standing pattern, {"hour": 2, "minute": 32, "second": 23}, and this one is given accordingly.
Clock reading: {"hour": 2, "minute": 30, "second": 36}
